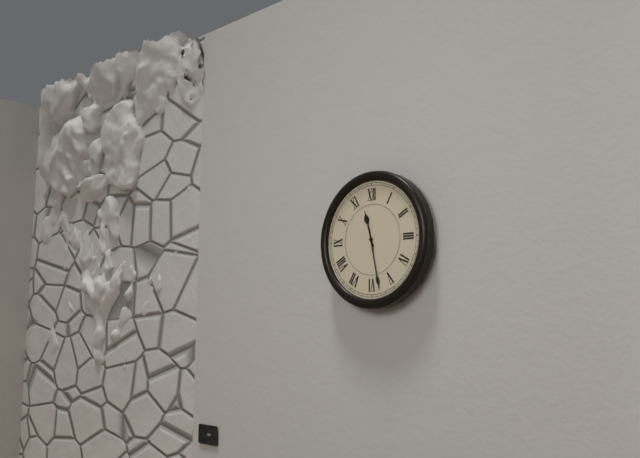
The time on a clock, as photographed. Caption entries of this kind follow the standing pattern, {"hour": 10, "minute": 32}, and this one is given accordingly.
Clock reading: {"hour": 11, "minute": 28}
